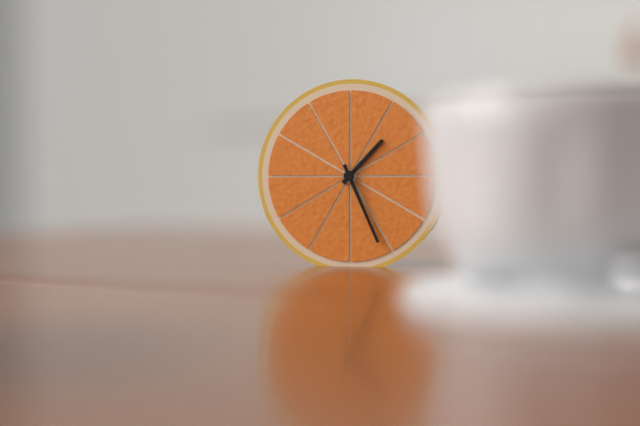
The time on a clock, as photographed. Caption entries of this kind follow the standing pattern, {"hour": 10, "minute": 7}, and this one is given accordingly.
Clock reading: {"hour": 1, "minute": 26}
